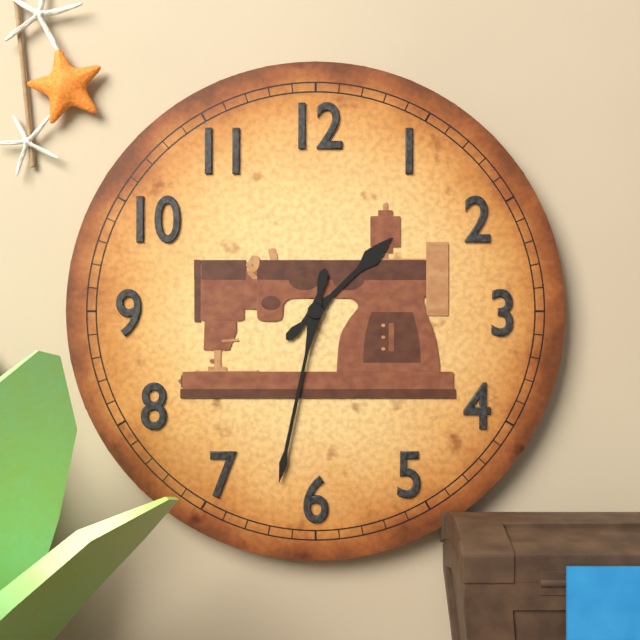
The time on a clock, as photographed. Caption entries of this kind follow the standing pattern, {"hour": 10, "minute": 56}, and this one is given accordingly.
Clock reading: {"hour": 1, "minute": 32}
